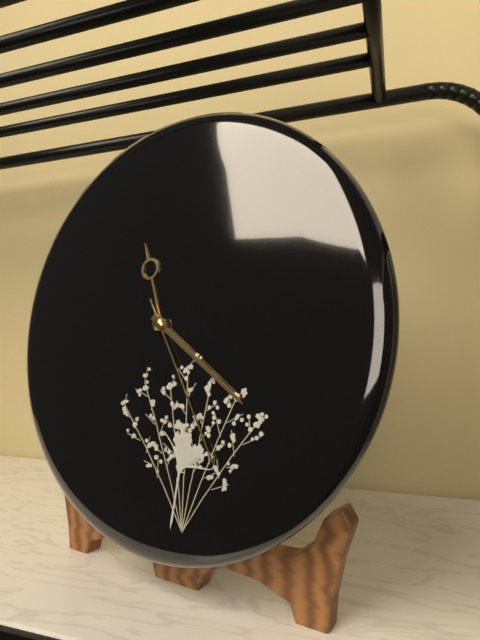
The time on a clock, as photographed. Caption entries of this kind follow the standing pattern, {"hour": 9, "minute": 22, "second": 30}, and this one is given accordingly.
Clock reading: {"hour": 11, "minute": 21, "second": 25}
